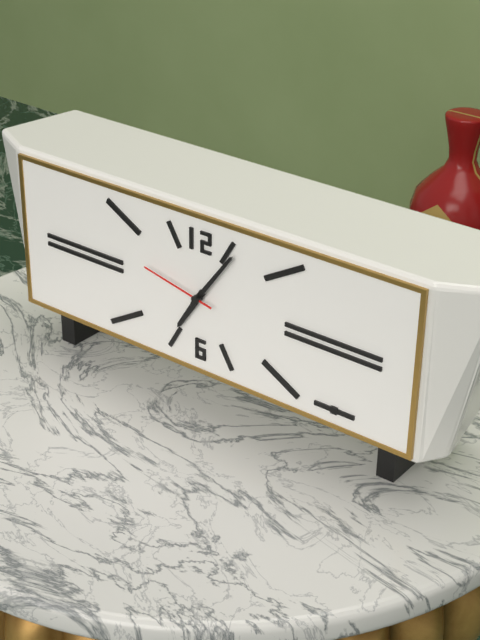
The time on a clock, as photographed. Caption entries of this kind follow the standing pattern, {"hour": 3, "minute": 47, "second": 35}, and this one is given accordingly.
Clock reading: {"hour": 7, "minute": 6, "second": 47}
